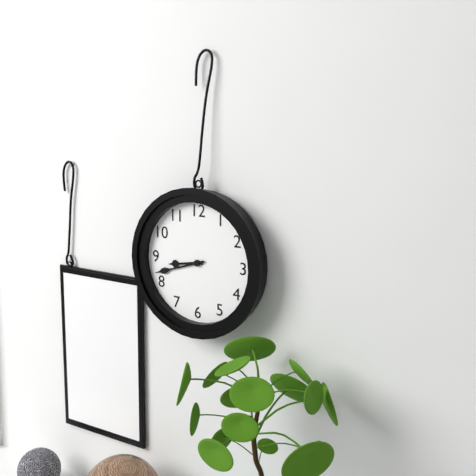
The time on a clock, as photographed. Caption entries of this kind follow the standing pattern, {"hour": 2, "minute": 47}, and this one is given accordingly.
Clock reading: {"hour": 8, "minute": 42}
